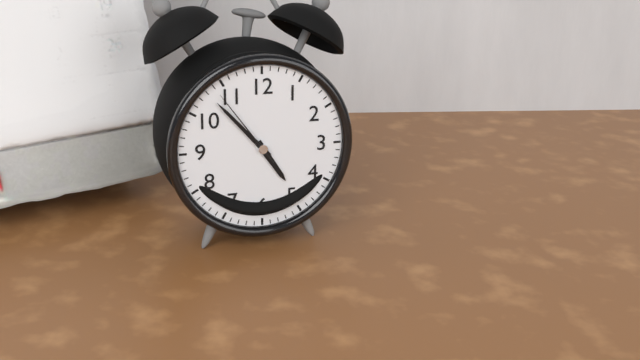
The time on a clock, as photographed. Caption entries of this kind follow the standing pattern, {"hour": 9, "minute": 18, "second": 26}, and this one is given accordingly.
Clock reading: {"hour": 4, "minute": 53, "second": 54}
